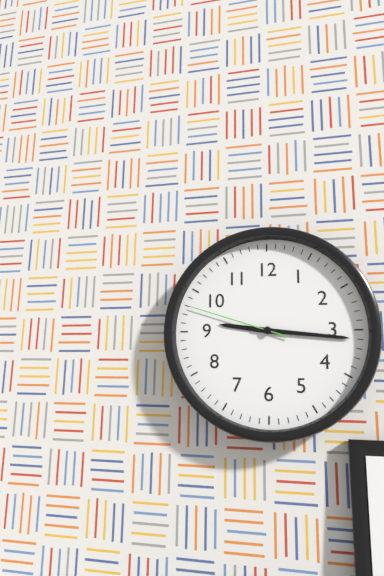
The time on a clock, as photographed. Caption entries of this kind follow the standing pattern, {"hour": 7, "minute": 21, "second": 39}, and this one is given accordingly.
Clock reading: {"hour": 9, "minute": 16, "second": 48}
